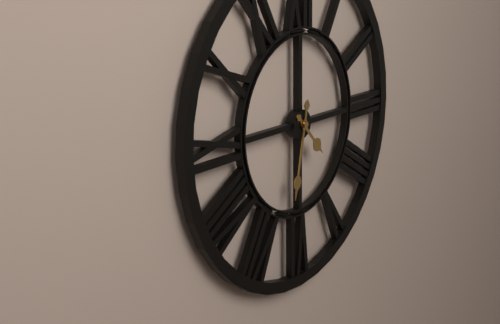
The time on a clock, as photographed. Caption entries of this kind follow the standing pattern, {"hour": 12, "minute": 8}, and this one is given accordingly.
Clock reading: {"hour": 4, "minute": 32}
